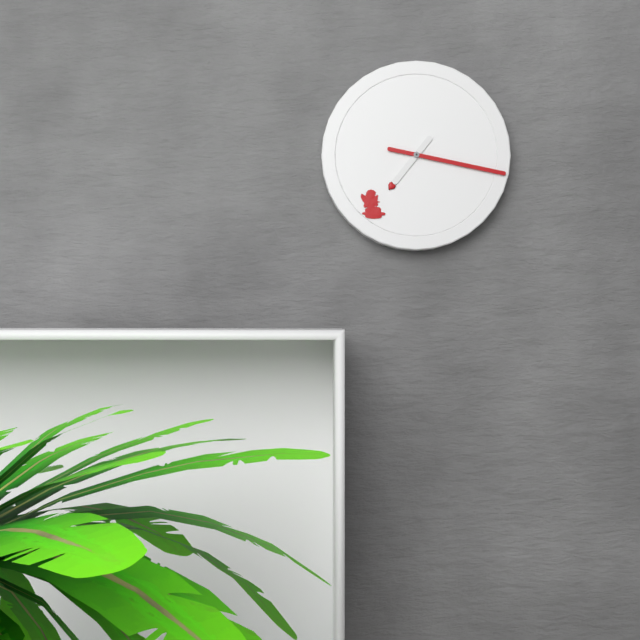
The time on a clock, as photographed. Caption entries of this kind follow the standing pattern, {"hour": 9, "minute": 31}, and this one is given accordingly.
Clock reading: {"hour": 7, "minute": 17}
